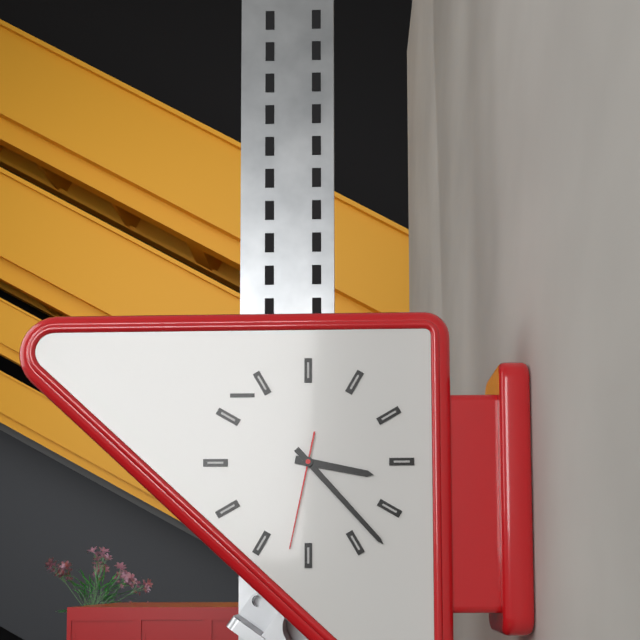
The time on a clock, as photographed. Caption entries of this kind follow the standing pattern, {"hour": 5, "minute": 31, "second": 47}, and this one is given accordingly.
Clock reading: {"hour": 3, "minute": 23, "second": 32}
